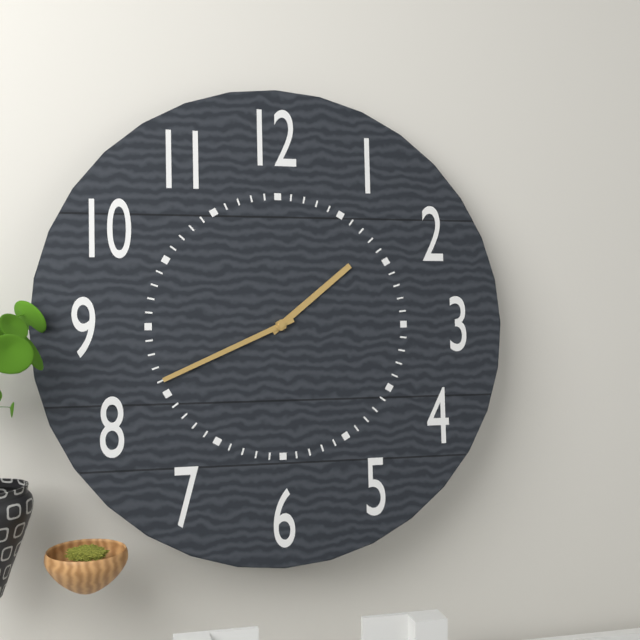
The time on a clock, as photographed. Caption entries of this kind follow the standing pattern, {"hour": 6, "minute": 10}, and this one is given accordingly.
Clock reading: {"hour": 1, "minute": 41}
